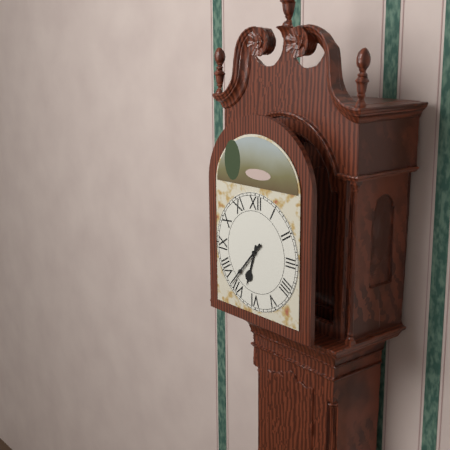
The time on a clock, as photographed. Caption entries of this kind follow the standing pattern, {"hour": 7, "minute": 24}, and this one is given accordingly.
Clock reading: {"hour": 6, "minute": 37}
